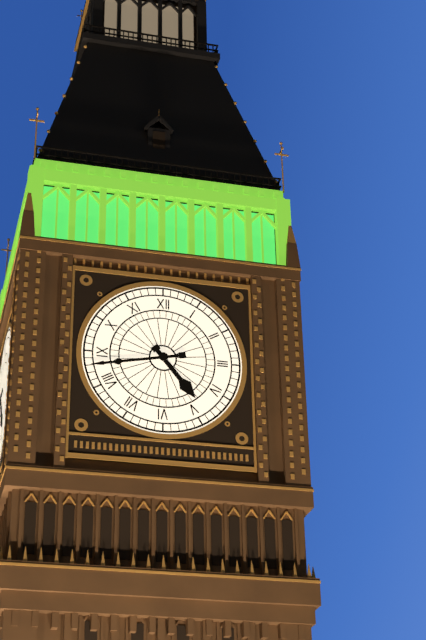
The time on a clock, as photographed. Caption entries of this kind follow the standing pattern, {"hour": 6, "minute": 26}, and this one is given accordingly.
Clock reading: {"hour": 4, "minute": 43}
